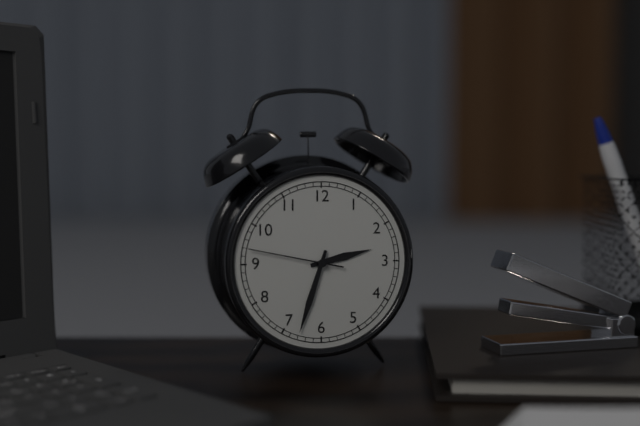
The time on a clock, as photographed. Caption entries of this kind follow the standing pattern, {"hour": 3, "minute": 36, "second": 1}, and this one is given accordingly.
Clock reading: {"hour": 2, "minute": 33, "second": 47}
